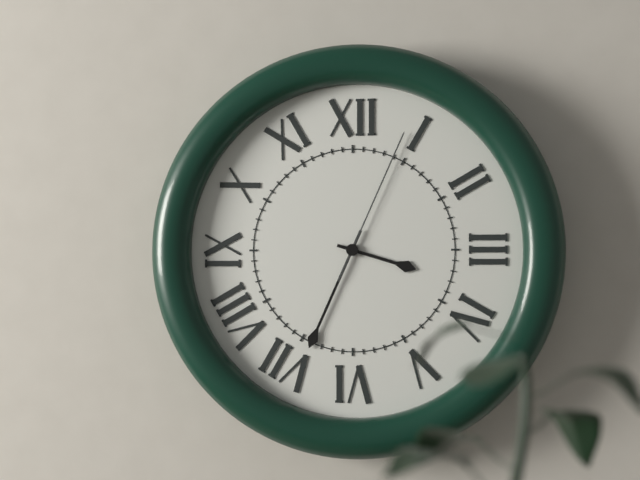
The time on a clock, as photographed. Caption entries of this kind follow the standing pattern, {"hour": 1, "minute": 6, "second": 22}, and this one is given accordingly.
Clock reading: {"hour": 3, "minute": 34, "second": 4}
